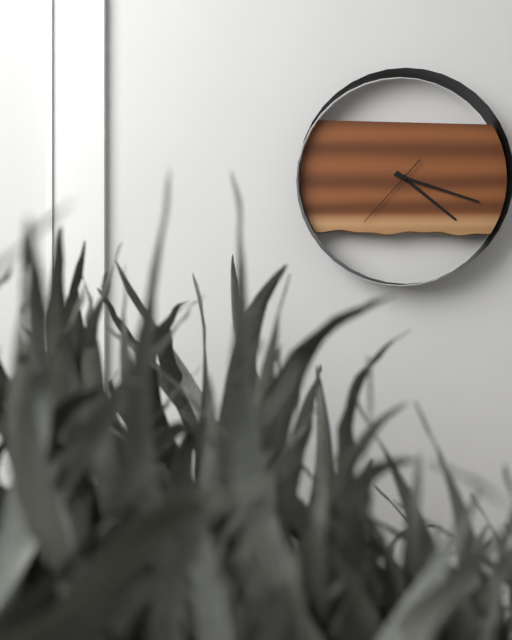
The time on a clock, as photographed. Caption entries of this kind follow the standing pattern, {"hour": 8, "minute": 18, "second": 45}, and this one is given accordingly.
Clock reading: {"hour": 4, "minute": 18, "second": 37}
